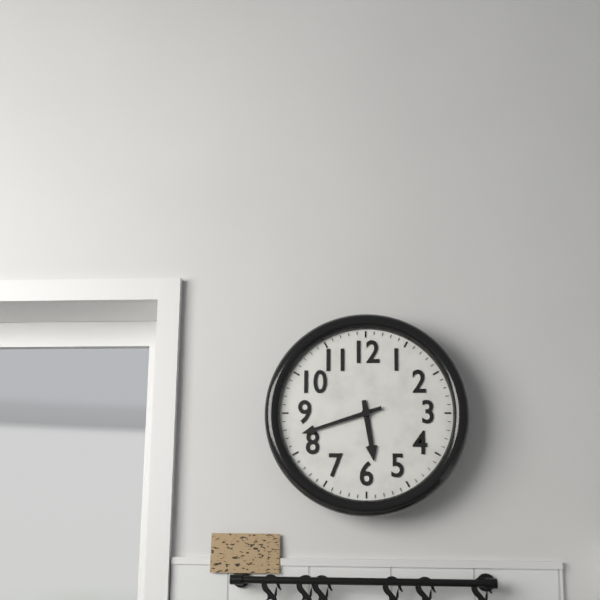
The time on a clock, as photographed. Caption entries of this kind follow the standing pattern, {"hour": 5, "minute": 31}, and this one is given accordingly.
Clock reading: {"hour": 5, "minute": 42}
